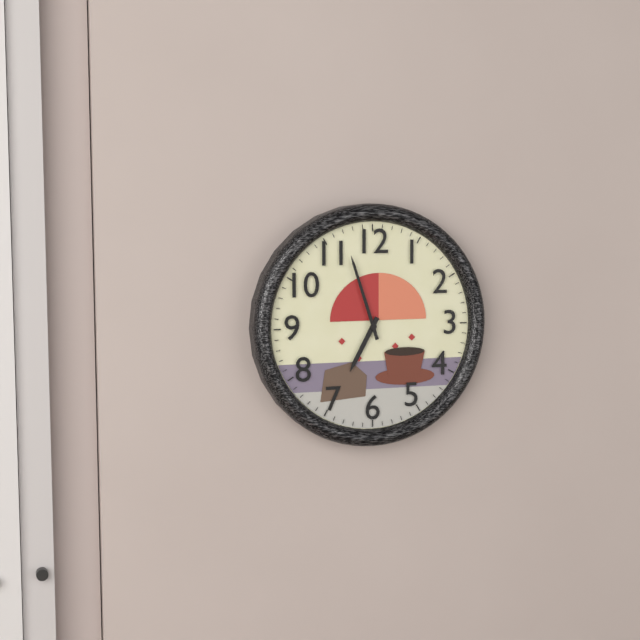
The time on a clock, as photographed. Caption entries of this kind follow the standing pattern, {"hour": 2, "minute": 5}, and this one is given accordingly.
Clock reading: {"hour": 6, "minute": 57}
